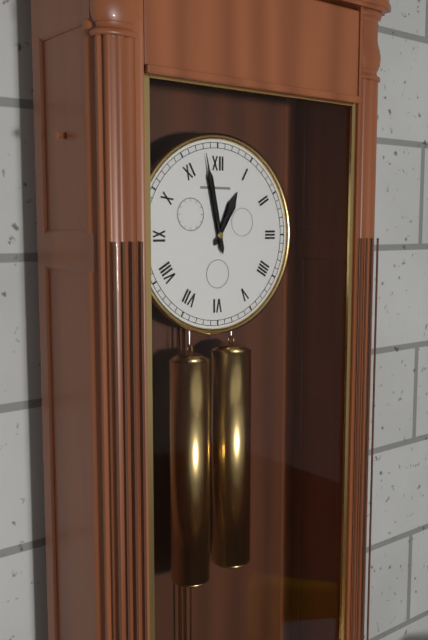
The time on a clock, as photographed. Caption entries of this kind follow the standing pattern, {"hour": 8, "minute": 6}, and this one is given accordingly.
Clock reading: {"hour": 12, "minute": 58}
